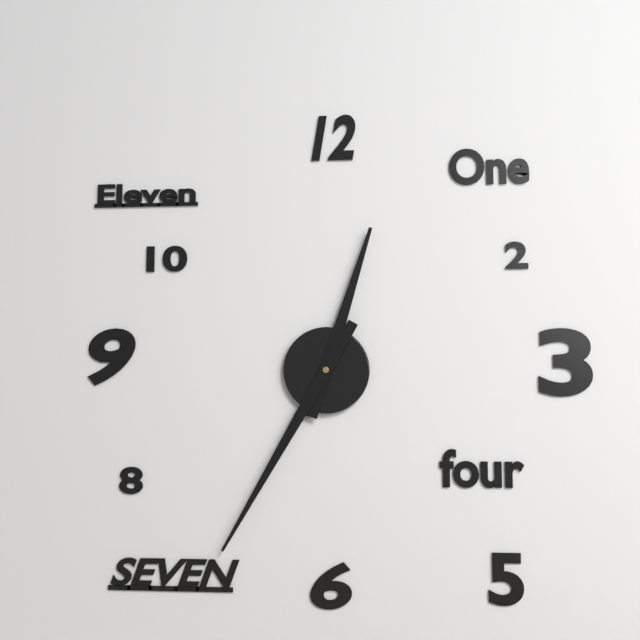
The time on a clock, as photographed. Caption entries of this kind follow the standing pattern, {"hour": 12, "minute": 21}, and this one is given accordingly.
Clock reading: {"hour": 12, "minute": 35}
